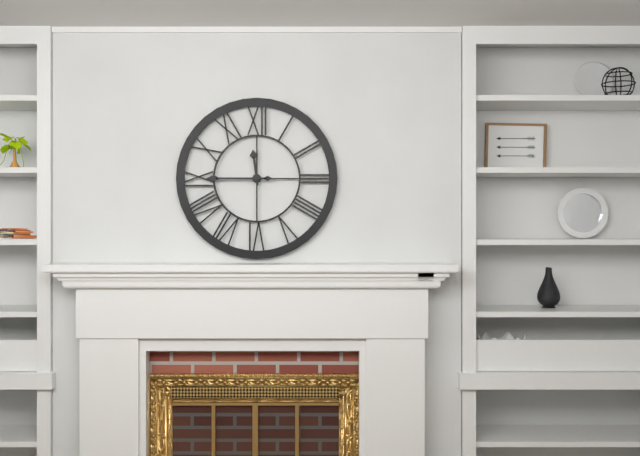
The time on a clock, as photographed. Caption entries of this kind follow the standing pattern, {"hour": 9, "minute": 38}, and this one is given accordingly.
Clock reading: {"hour": 11, "minute": 45}
